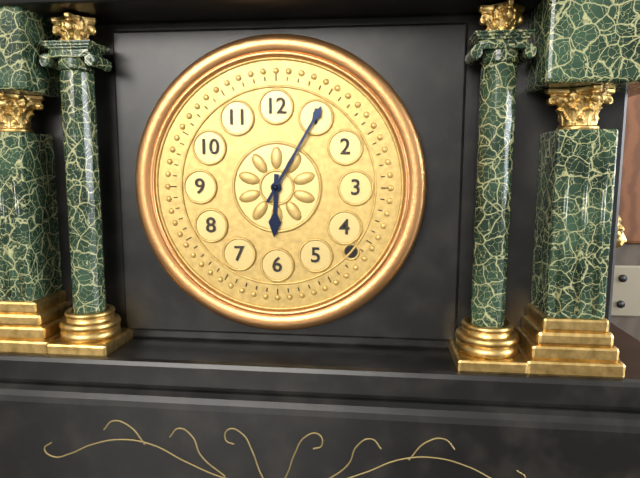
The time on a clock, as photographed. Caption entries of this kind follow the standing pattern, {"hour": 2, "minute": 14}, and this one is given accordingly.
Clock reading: {"hour": 6, "minute": 5}
